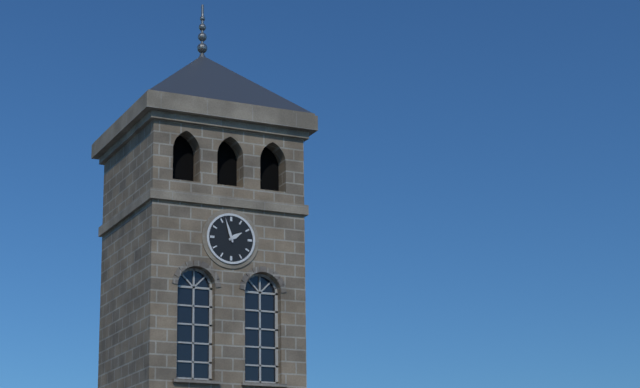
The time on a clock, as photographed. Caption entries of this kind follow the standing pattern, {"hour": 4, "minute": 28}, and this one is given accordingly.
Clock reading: {"hour": 1, "minute": 57}
